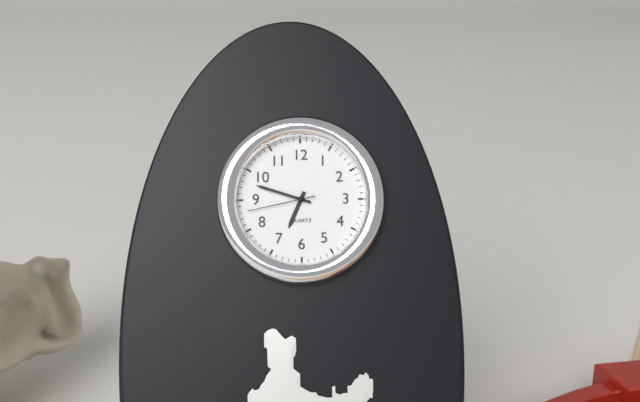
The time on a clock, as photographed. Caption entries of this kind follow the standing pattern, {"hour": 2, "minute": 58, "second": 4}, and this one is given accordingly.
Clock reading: {"hour": 6, "minute": 48, "second": 43}
